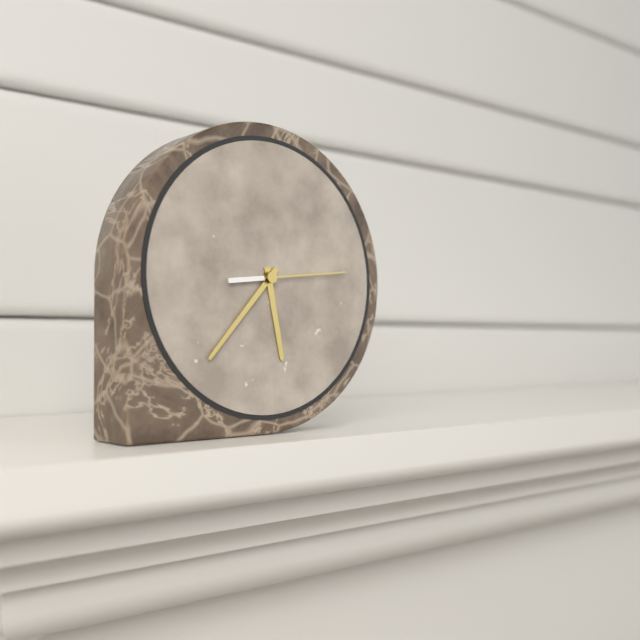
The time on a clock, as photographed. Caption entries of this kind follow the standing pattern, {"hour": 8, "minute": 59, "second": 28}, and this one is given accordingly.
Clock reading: {"hour": 5, "minute": 37, "second": 14}
